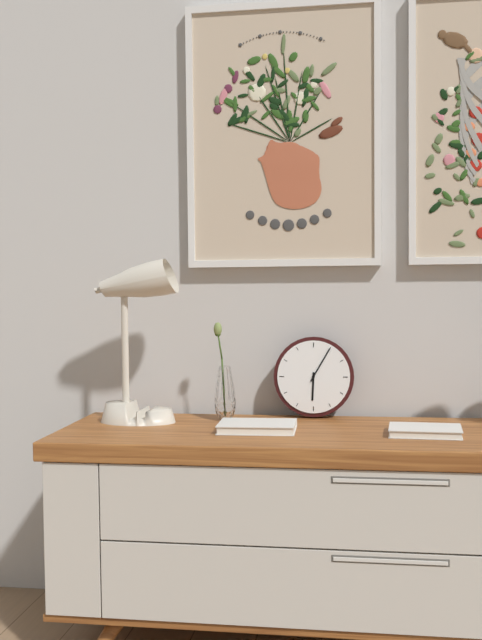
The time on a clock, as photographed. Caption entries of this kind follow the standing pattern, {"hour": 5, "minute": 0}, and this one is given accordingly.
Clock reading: {"hour": 6, "minute": 5}
